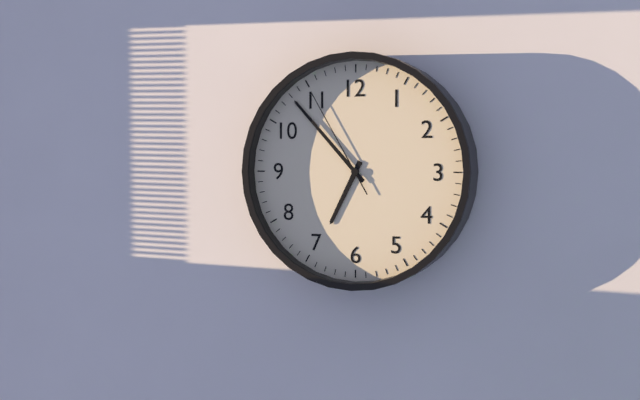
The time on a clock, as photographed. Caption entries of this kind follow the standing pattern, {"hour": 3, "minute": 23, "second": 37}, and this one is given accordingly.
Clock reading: {"hour": 6, "minute": 53, "second": 55}
